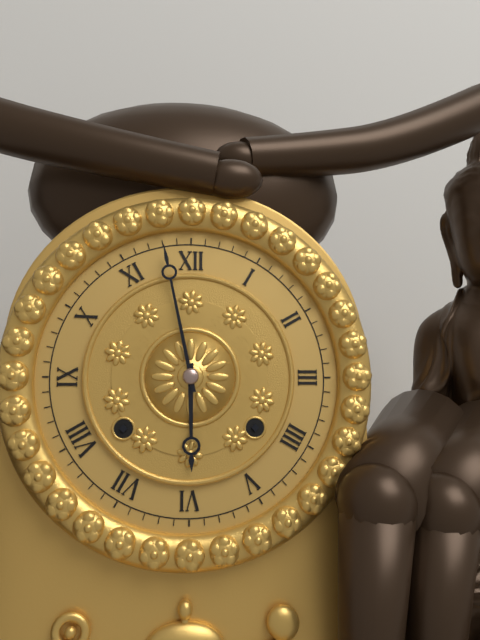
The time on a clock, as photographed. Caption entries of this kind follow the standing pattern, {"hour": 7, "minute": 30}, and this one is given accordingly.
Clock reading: {"hour": 5, "minute": 58}
